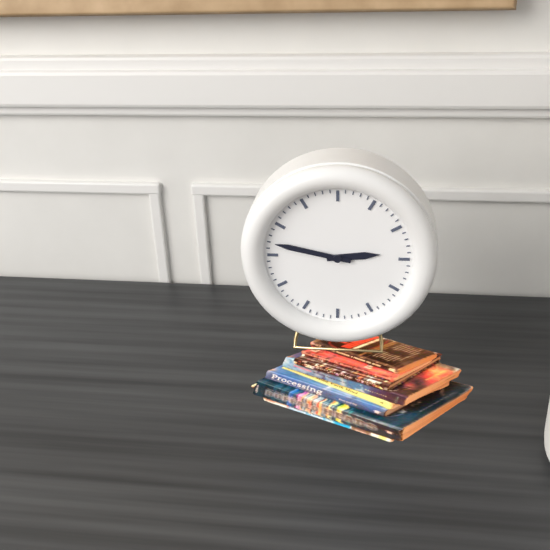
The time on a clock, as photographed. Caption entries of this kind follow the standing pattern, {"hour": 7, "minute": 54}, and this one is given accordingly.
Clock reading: {"hour": 2, "minute": 47}
